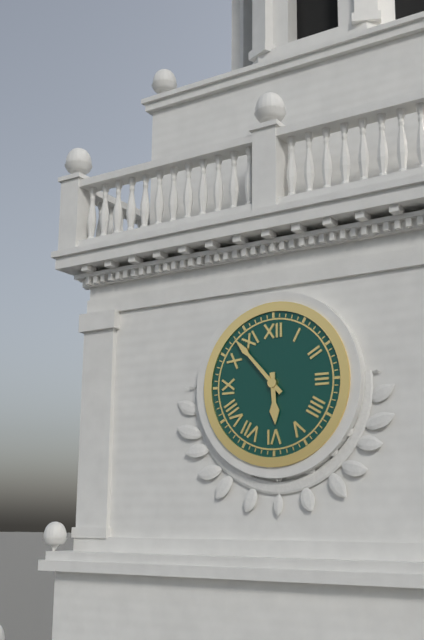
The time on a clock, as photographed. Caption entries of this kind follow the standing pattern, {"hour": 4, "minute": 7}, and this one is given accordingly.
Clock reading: {"hour": 5, "minute": 53}
